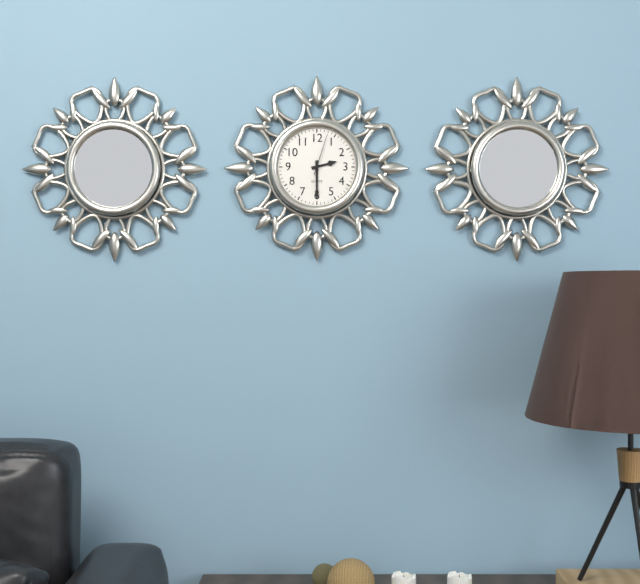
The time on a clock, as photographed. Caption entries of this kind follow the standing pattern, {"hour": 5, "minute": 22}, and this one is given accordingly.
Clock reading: {"hour": 2, "minute": 30}
